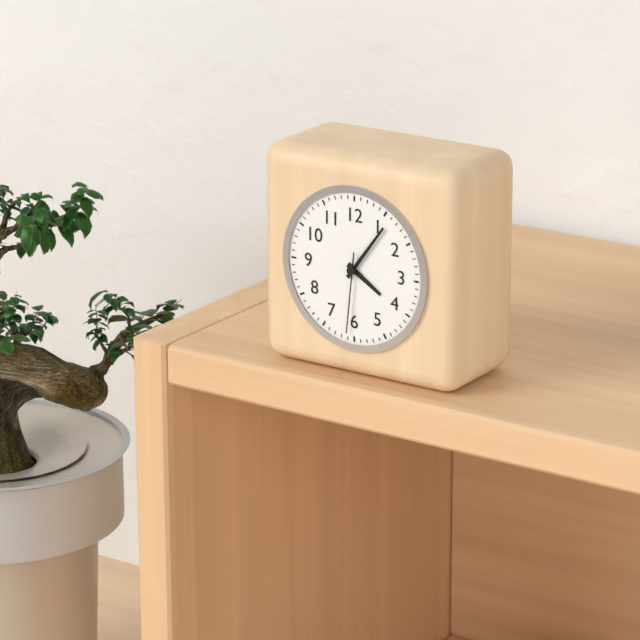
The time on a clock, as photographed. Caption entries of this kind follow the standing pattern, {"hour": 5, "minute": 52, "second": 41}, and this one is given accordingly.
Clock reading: {"hour": 4, "minute": 6, "second": 31}
